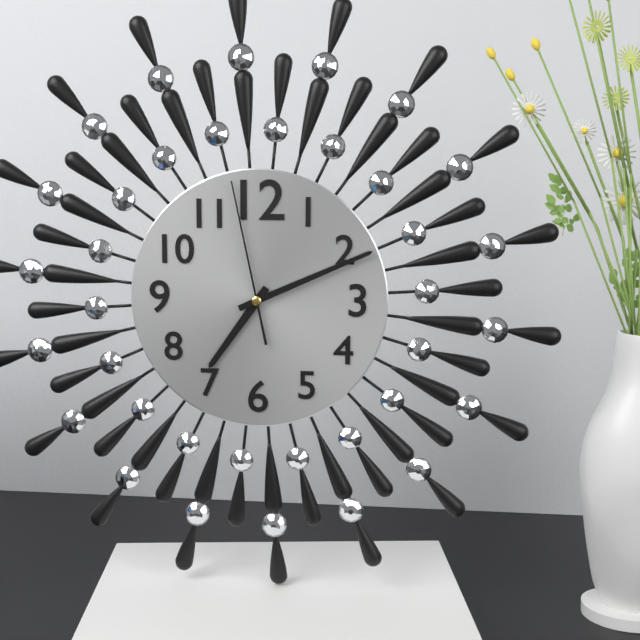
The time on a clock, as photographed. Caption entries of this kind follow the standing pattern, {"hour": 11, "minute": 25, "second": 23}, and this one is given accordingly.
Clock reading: {"hour": 7, "minute": 11, "second": 58}
